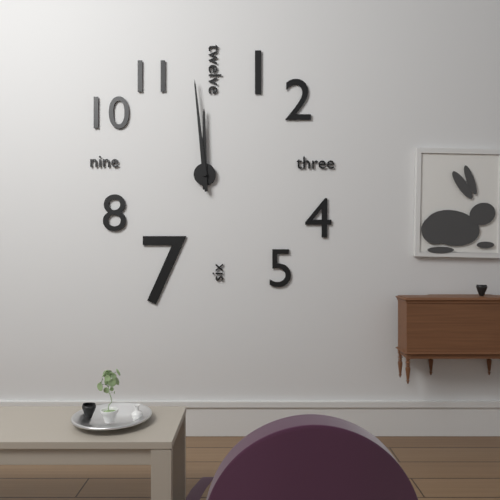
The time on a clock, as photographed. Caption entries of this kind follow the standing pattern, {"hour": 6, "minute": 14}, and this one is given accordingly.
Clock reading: {"hour": 11, "minute": 59}
